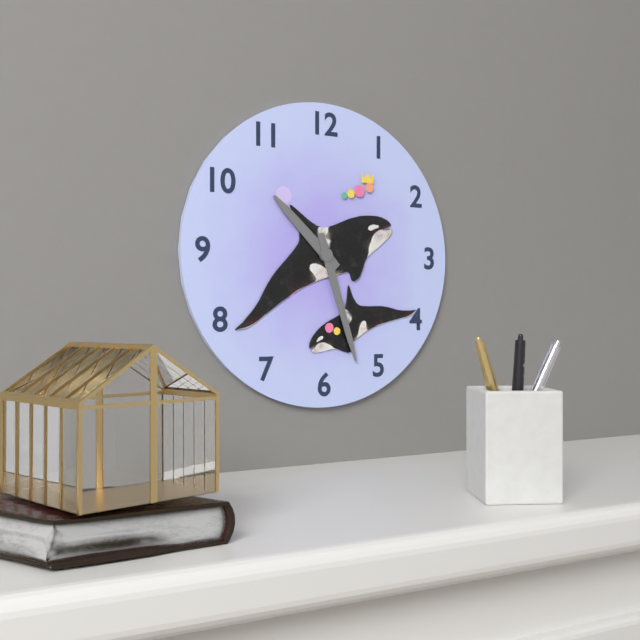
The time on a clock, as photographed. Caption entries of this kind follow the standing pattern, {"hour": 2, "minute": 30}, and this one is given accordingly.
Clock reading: {"hour": 10, "minute": 27}
